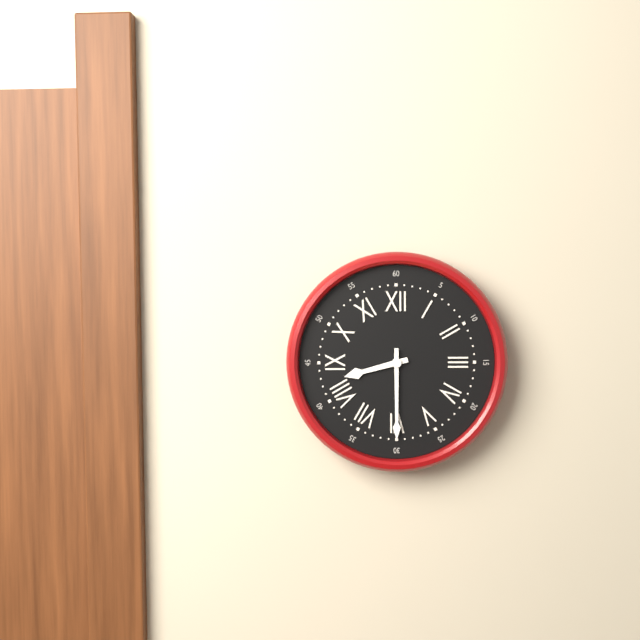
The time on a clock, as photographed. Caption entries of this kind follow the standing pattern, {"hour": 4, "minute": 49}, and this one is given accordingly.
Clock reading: {"hour": 8, "minute": 30}
